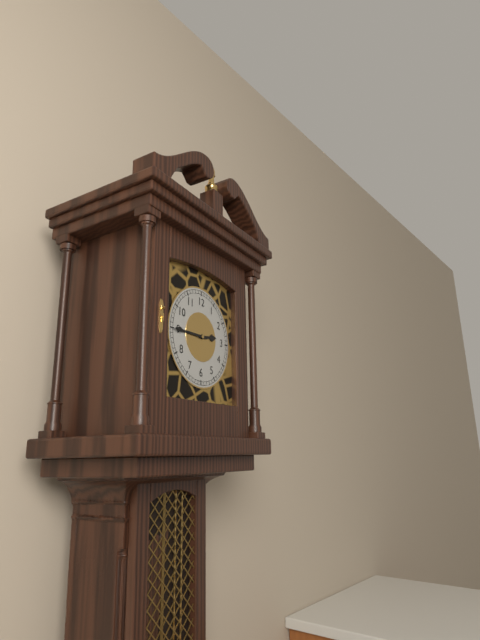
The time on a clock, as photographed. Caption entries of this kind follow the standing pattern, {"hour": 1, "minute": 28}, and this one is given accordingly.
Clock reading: {"hour": 2, "minute": 45}
